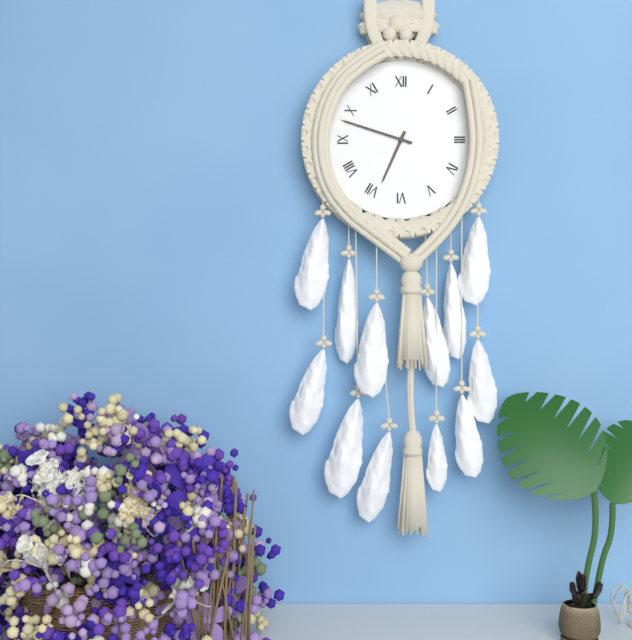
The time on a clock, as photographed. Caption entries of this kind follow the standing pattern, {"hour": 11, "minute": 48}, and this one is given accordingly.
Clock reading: {"hour": 6, "minute": 48}
